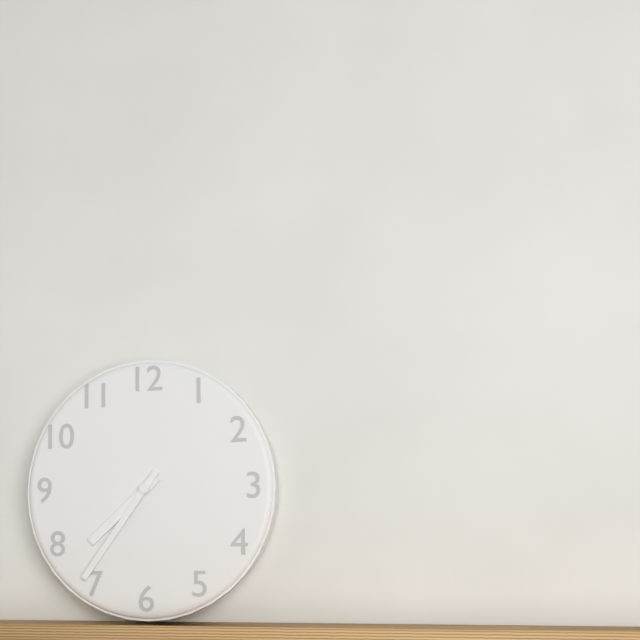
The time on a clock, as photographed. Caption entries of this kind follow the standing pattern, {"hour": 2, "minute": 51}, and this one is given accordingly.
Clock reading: {"hour": 7, "minute": 36}
